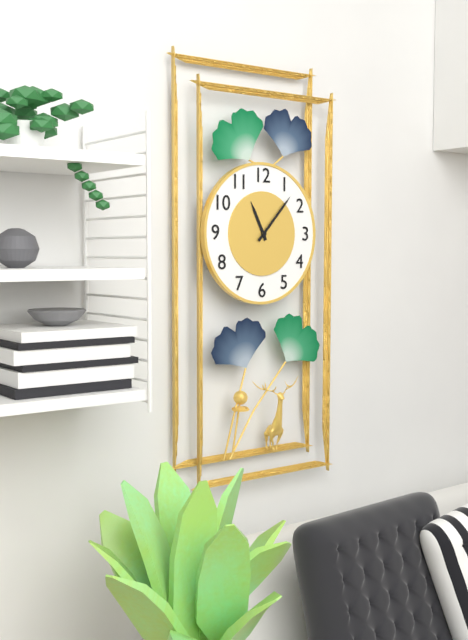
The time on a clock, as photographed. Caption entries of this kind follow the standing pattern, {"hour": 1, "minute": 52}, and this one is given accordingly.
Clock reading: {"hour": 11, "minute": 7}
